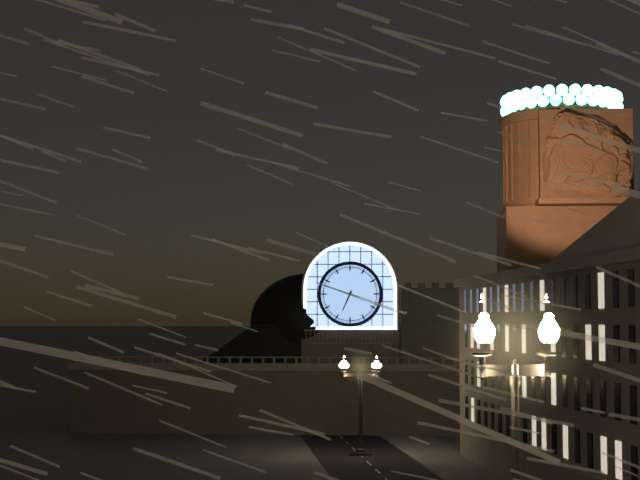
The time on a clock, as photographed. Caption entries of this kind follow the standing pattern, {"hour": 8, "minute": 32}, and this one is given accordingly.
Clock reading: {"hour": 6, "minute": 48}
